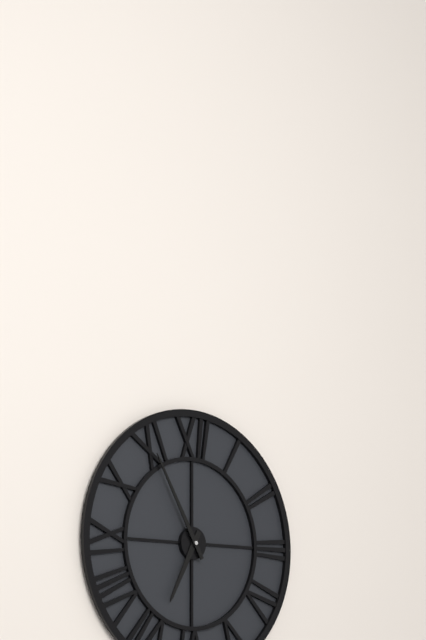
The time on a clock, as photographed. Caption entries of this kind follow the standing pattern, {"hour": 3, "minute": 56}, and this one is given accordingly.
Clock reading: {"hour": 6, "minute": 55}
